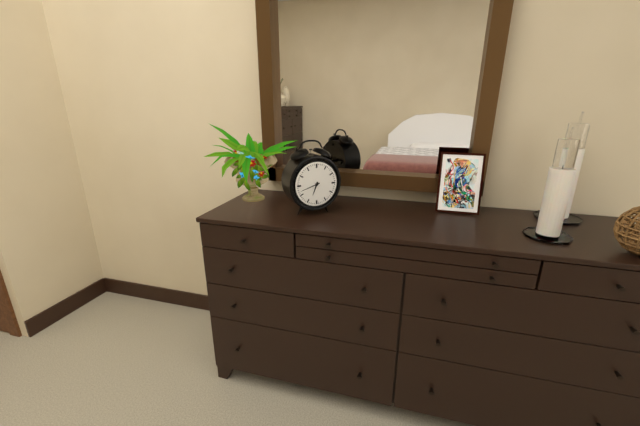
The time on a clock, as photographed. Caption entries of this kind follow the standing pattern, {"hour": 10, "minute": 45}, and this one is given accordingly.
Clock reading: {"hour": 6, "minute": 42}
